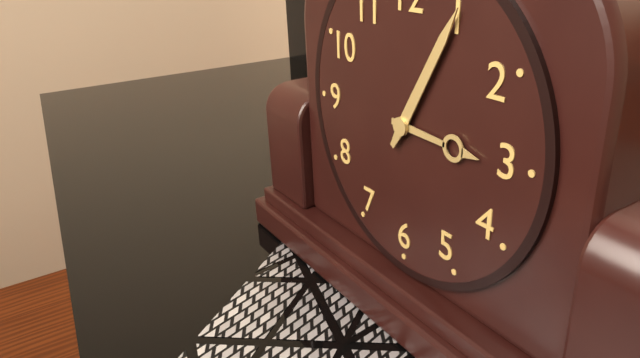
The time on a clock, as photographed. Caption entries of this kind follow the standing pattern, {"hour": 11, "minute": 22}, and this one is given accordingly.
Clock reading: {"hour": 3, "minute": 5}
